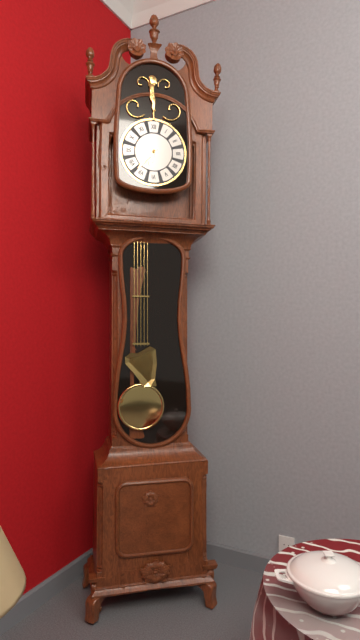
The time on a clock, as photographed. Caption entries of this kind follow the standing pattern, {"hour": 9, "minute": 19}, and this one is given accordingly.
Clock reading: {"hour": 6, "minute": 37}
